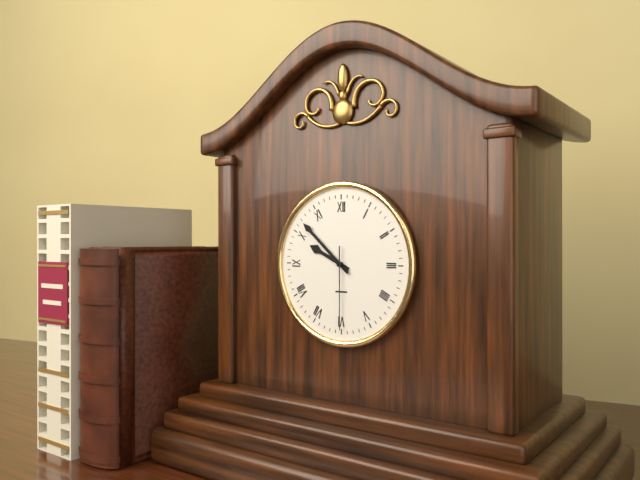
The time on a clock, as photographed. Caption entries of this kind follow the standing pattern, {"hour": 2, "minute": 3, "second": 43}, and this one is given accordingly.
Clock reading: {"hour": 9, "minute": 52, "second": 30}
